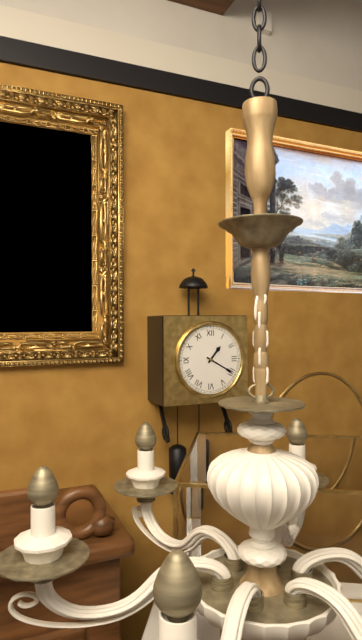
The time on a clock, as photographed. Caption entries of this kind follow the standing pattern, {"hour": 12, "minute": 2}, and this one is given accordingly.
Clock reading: {"hour": 1, "minute": 20}
